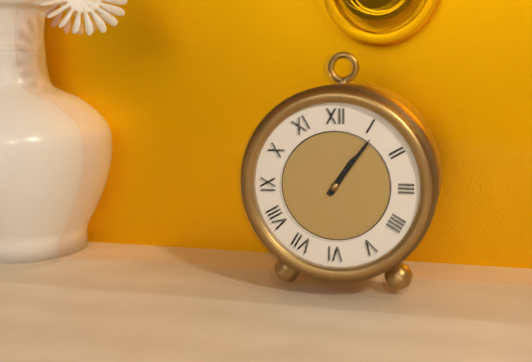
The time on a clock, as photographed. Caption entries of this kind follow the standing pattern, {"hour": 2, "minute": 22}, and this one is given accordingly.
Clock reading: {"hour": 1, "minute": 6}
